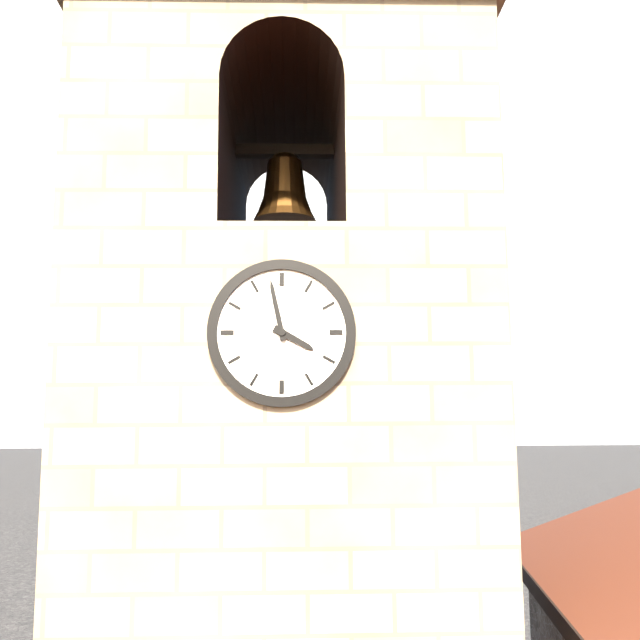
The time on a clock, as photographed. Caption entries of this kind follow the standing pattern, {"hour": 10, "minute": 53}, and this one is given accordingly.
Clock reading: {"hour": 3, "minute": 58}
